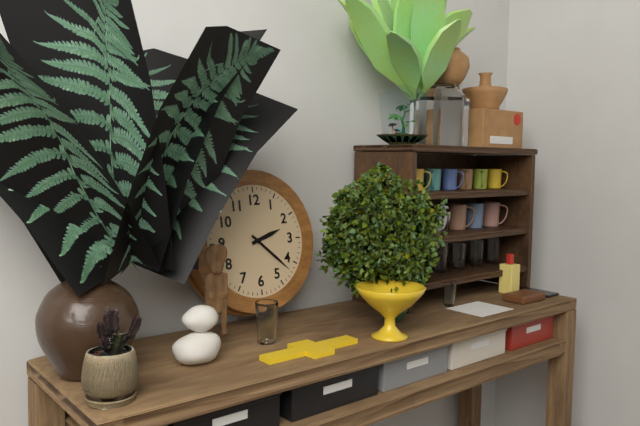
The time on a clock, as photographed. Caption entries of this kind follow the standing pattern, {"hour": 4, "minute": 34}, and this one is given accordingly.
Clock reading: {"hour": 2, "minute": 22}
